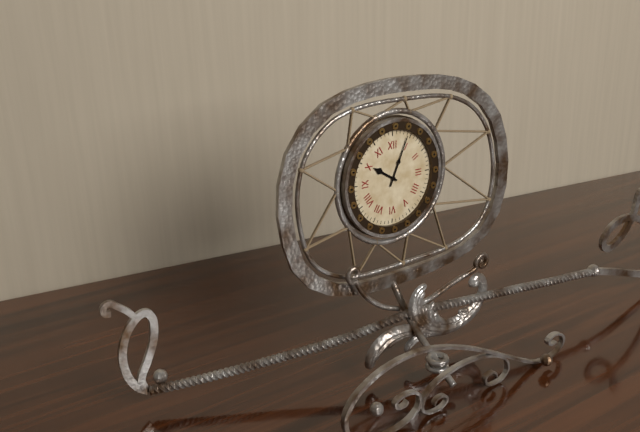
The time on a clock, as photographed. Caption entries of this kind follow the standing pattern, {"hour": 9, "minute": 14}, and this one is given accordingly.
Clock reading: {"hour": 10, "minute": 4}
